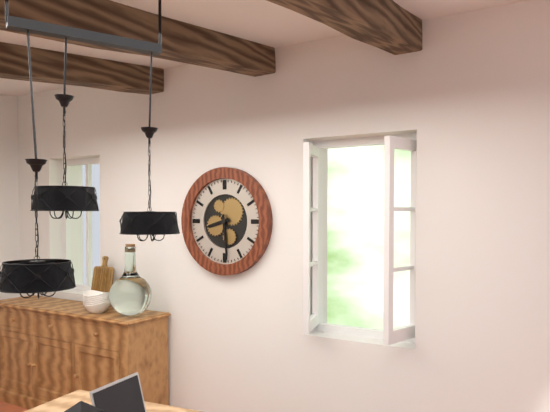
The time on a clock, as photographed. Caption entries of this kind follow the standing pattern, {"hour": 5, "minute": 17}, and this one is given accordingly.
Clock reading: {"hour": 8, "minute": 29}
